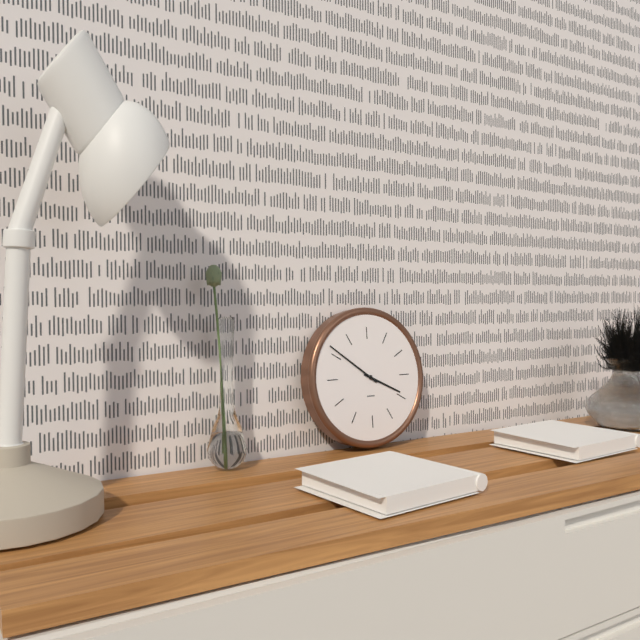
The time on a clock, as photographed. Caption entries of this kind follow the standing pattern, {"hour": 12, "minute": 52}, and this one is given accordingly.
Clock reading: {"hour": 3, "minute": 51}
